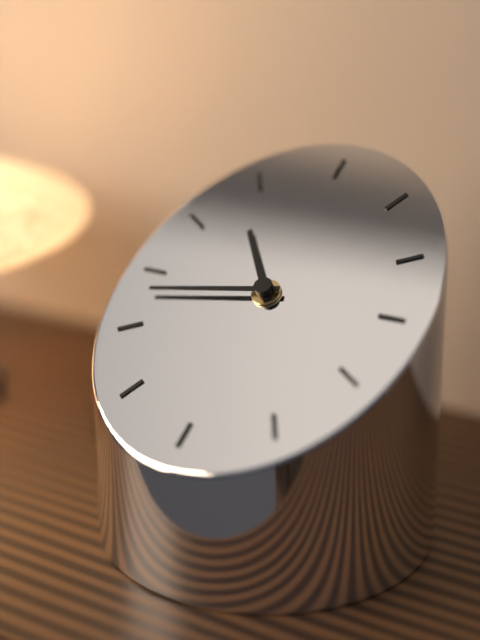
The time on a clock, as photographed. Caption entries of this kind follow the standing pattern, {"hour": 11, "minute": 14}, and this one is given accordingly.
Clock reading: {"hour": 10, "minute": 43}
